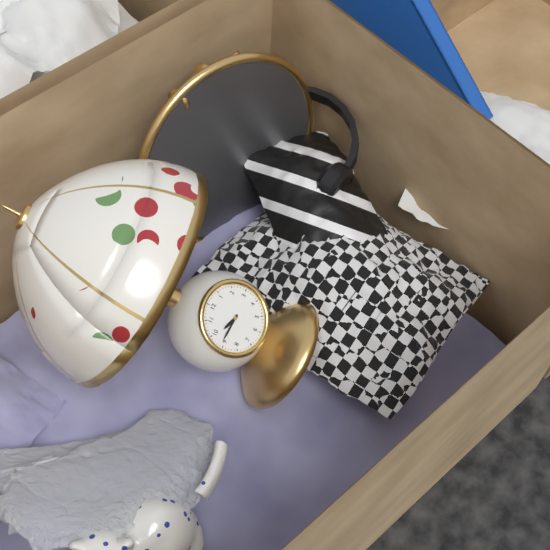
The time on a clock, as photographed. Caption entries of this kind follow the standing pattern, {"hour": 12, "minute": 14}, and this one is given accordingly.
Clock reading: {"hour": 9, "minute": 46}
